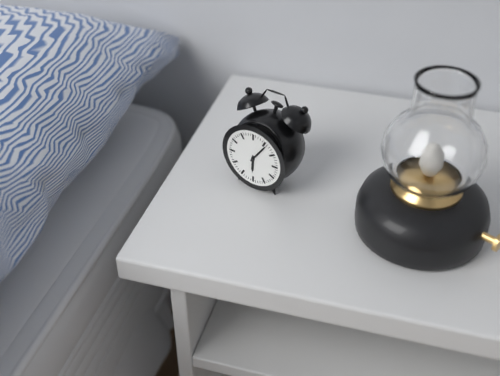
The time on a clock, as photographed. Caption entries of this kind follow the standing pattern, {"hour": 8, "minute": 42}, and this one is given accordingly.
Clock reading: {"hour": 6, "minute": 6}
